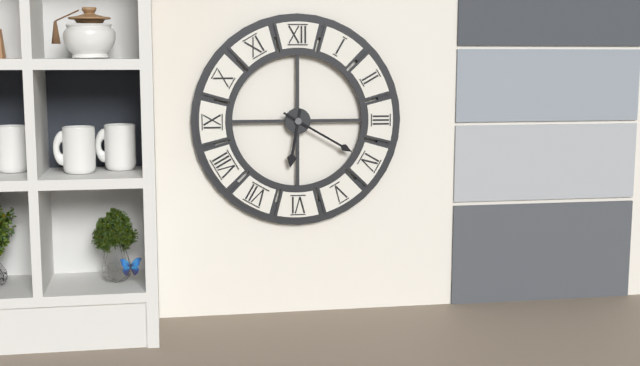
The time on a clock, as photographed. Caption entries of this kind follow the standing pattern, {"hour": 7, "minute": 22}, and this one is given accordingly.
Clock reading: {"hour": 6, "minute": 20}
